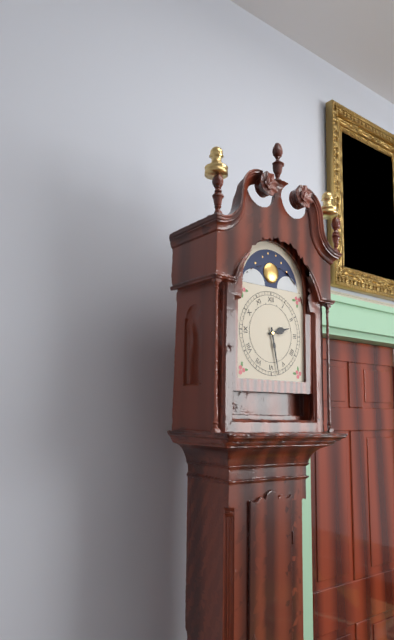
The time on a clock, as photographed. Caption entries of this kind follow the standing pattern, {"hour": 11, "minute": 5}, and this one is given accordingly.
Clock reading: {"hour": 2, "minute": 28}
